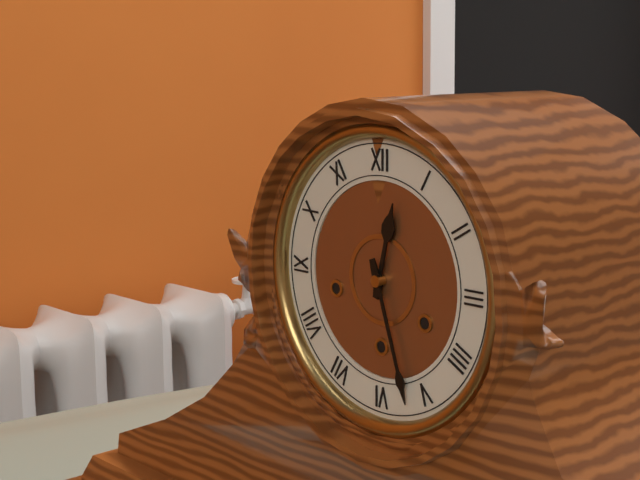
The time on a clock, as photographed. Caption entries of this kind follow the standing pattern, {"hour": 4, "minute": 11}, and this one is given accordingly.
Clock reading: {"hour": 12, "minute": 27}
